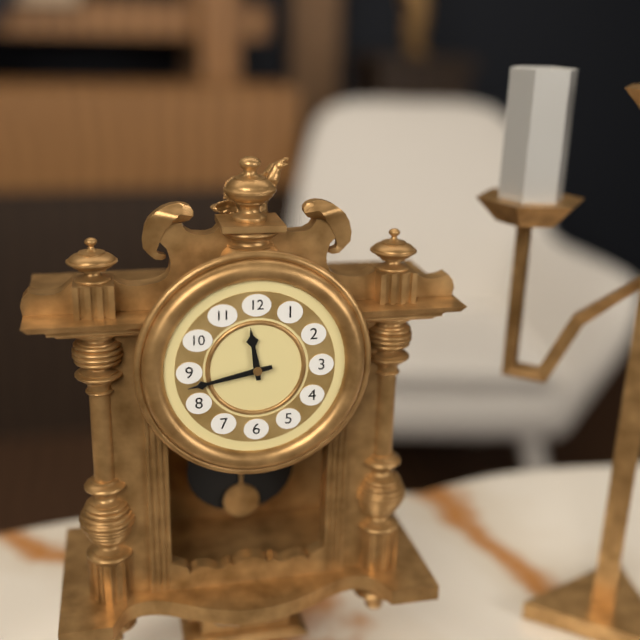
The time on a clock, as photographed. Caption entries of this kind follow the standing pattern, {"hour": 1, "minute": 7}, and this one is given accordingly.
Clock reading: {"hour": 11, "minute": 43}
